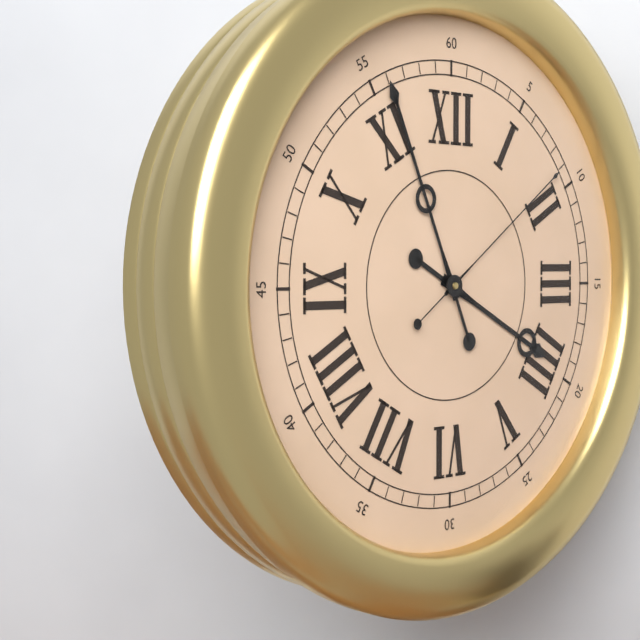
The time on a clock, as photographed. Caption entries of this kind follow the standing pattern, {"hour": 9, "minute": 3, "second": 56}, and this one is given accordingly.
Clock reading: {"hour": 3, "minute": 56, "second": 9}
